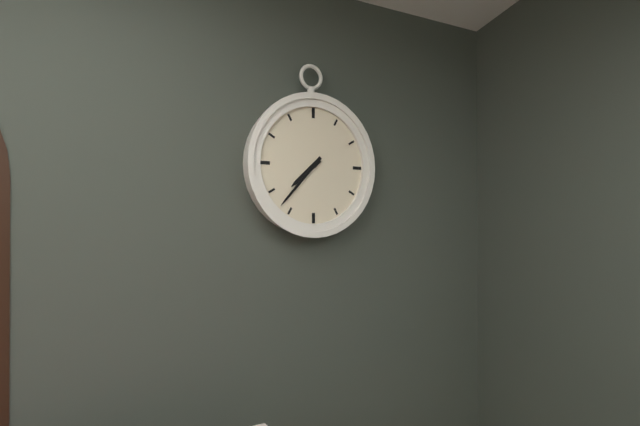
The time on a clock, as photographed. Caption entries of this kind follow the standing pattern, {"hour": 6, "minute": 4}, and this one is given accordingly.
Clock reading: {"hour": 7, "minute": 37}
